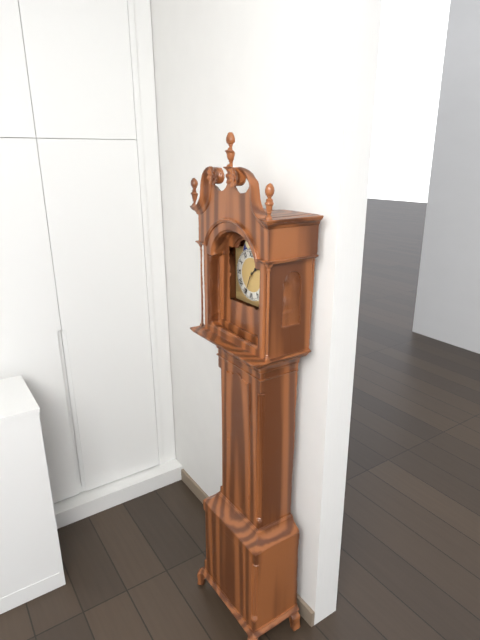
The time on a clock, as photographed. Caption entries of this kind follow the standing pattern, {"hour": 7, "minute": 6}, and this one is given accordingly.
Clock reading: {"hour": 1, "minute": 34}
